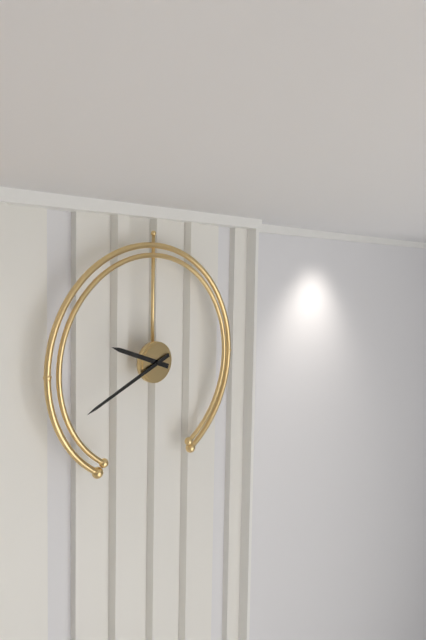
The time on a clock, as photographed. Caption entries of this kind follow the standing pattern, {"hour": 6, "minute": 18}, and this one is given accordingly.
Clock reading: {"hour": 9, "minute": 41}
